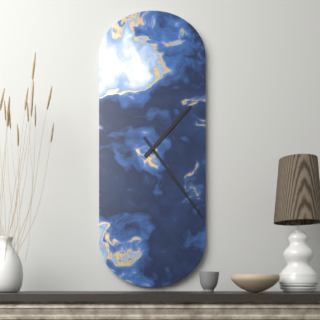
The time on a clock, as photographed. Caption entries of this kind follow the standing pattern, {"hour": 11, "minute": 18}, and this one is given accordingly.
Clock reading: {"hour": 1, "minute": 24}
